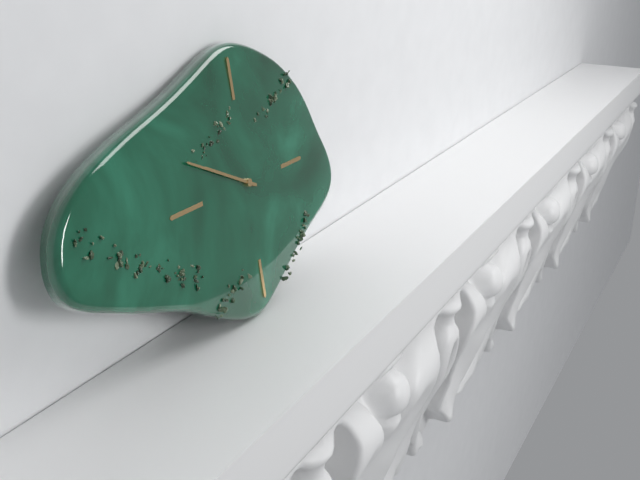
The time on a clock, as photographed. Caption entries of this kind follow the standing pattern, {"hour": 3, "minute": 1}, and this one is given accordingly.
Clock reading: {"hour": 9, "minute": 49}
